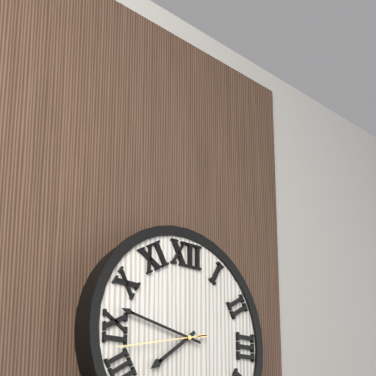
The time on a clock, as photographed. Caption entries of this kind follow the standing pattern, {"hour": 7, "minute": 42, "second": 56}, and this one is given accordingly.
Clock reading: {"hour": 7, "minute": 47, "second": 43}
